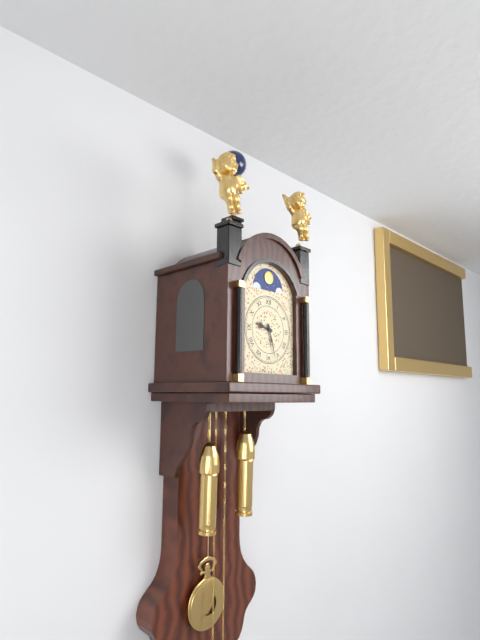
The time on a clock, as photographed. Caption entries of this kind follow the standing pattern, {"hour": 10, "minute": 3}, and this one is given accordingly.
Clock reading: {"hour": 9, "minute": 27}
